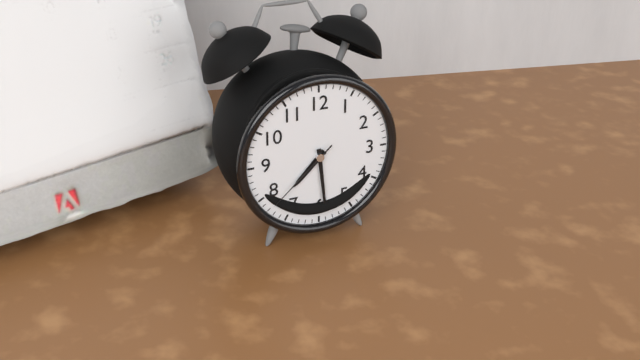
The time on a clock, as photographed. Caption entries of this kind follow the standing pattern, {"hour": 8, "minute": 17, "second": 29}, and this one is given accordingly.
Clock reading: {"hour": 7, "minute": 29, "second": 38}
